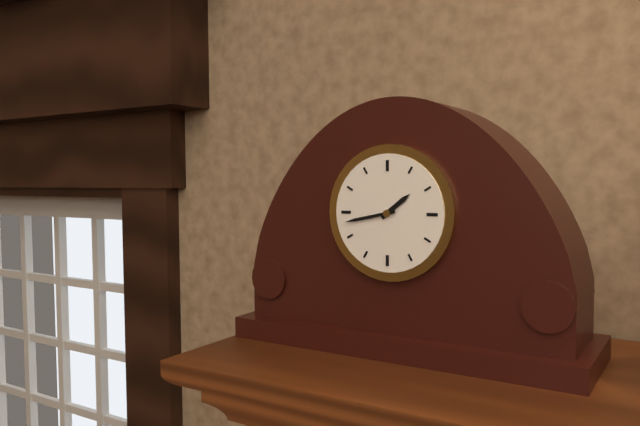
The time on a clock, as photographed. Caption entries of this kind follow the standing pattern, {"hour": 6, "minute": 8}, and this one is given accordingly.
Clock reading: {"hour": 1, "minute": 43}
